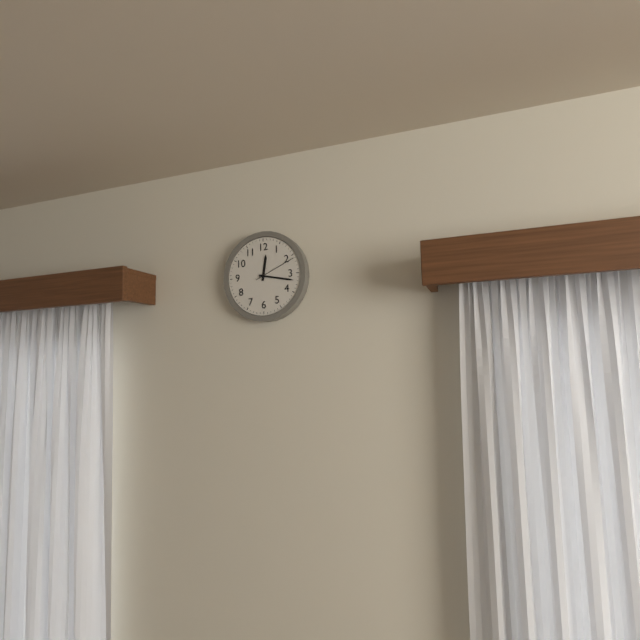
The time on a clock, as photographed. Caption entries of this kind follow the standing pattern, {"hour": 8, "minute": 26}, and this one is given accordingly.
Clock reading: {"hour": 12, "minute": 17}
